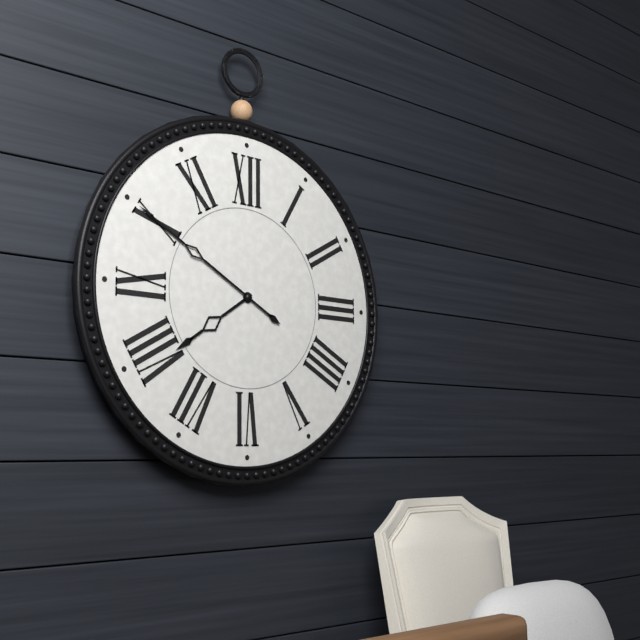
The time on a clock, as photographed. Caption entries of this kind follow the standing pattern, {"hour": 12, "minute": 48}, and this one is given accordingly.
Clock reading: {"hour": 7, "minute": 50}
